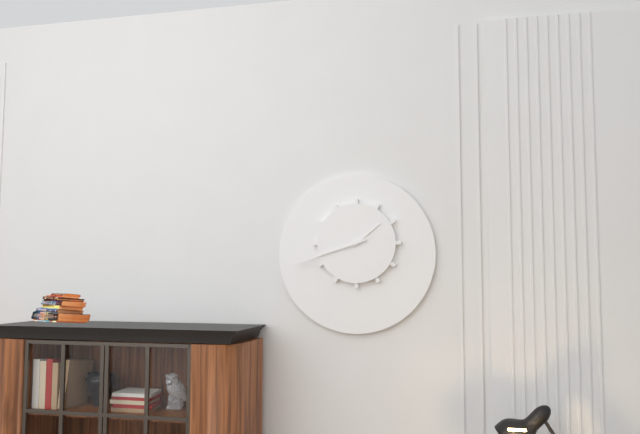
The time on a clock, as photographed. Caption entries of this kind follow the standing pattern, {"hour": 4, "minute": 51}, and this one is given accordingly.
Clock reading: {"hour": 1, "minute": 42}
